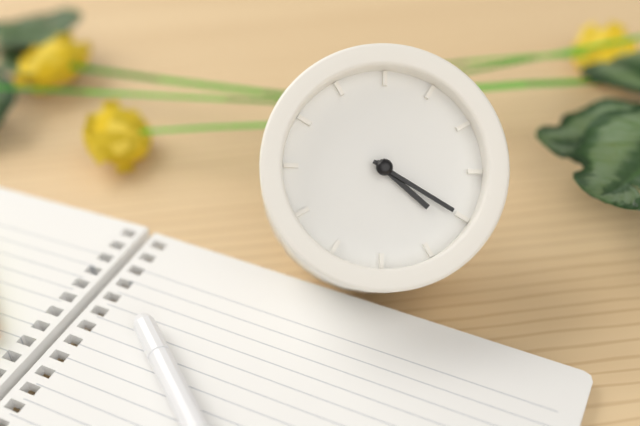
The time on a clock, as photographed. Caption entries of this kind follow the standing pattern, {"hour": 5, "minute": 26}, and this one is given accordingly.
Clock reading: {"hour": 4, "minute": 20}
